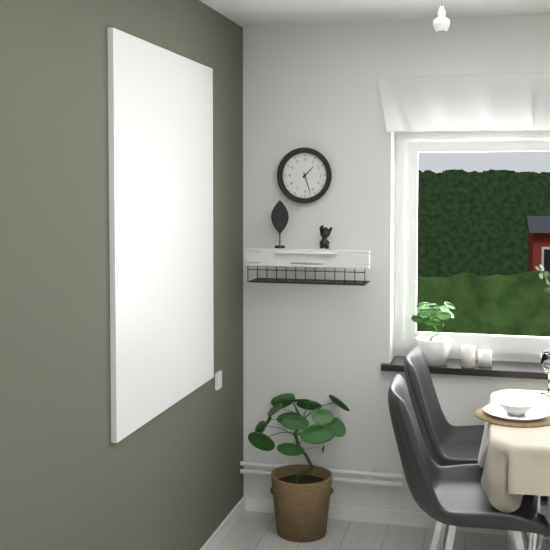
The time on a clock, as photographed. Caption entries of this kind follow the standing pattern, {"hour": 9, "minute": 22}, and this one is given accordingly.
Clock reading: {"hour": 1, "minute": 27}
